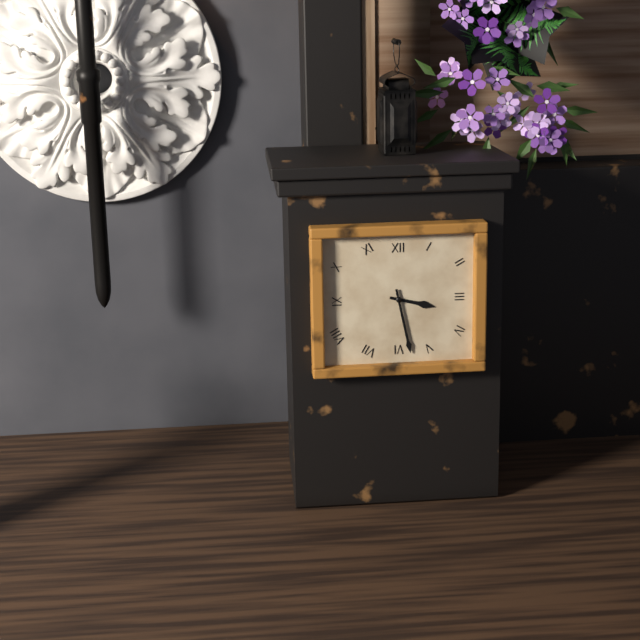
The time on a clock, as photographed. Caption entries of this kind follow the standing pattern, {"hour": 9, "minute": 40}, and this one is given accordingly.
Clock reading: {"hour": 3, "minute": 28}
